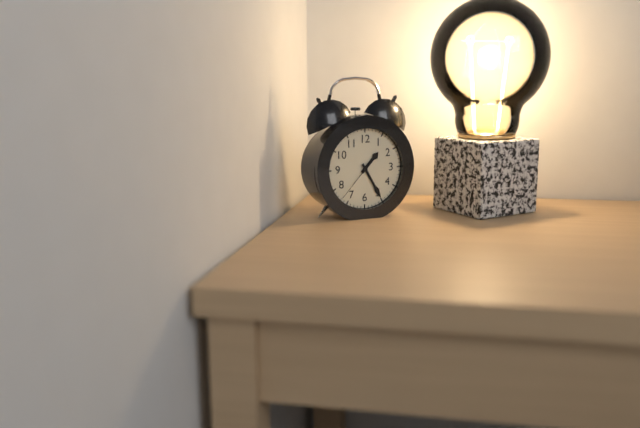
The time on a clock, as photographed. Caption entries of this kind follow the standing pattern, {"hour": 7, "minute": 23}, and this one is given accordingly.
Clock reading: {"hour": 1, "minute": 25}
